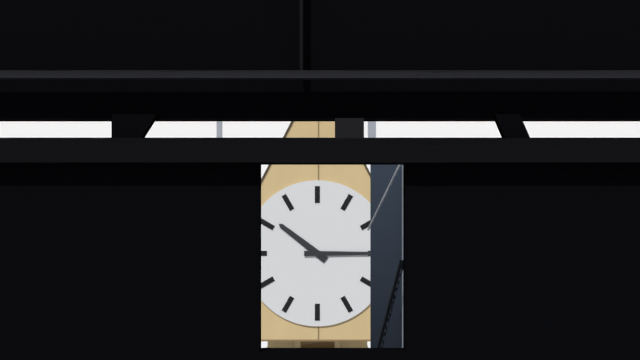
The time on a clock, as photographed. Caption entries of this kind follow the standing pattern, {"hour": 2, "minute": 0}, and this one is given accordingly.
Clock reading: {"hour": 10, "minute": 15}
